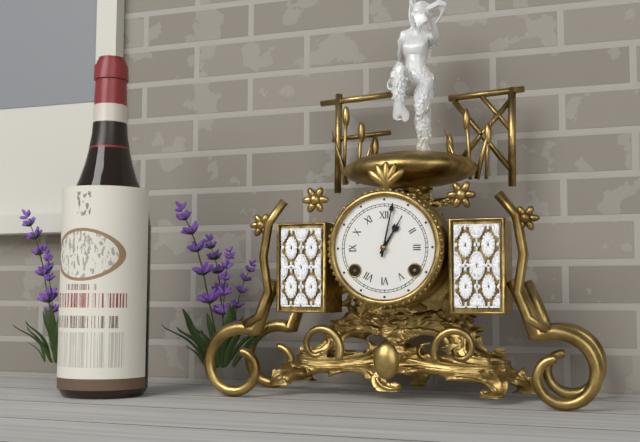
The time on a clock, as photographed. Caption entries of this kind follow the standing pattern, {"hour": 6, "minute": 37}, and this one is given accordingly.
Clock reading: {"hour": 1, "minute": 2}
